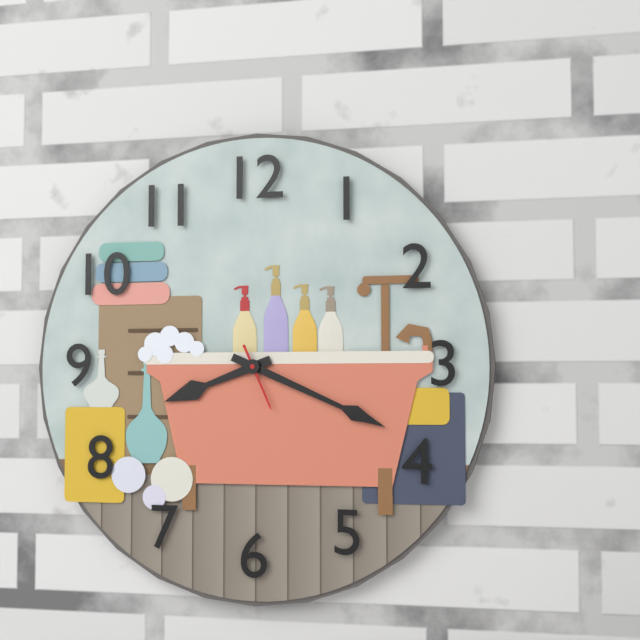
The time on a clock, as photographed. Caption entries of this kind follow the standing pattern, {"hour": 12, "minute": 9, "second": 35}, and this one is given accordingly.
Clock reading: {"hour": 8, "minute": 19, "second": 26}
